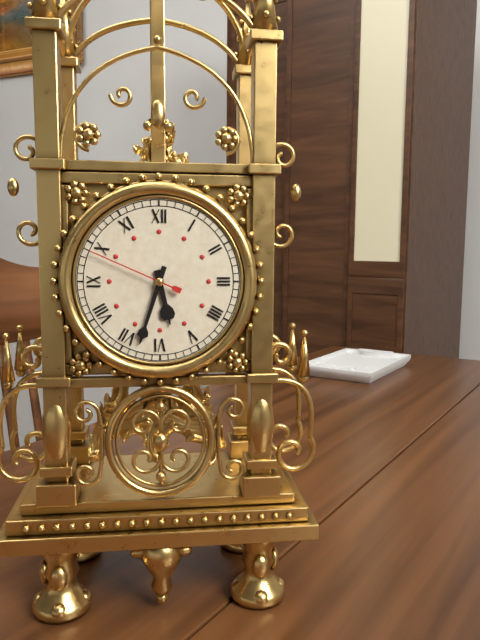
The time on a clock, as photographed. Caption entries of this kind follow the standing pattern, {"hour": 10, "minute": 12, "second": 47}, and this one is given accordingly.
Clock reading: {"hour": 5, "minute": 33, "second": 49}
